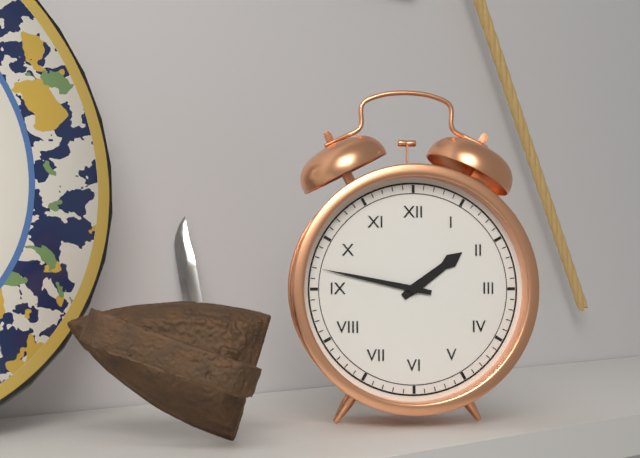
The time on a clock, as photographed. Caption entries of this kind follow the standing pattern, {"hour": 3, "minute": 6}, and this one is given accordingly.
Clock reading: {"hour": 1, "minute": 47}
